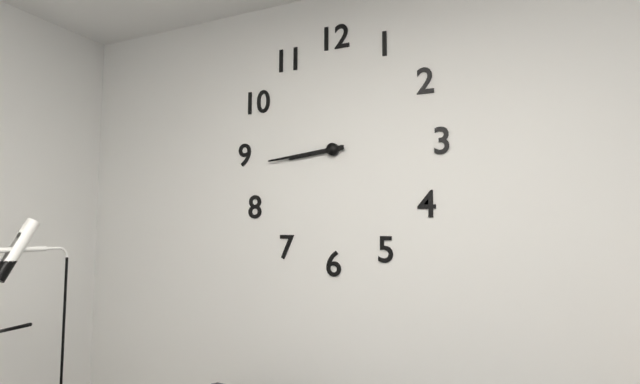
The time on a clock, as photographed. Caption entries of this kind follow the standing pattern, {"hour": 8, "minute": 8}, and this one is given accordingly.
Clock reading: {"hour": 8, "minute": 44}
